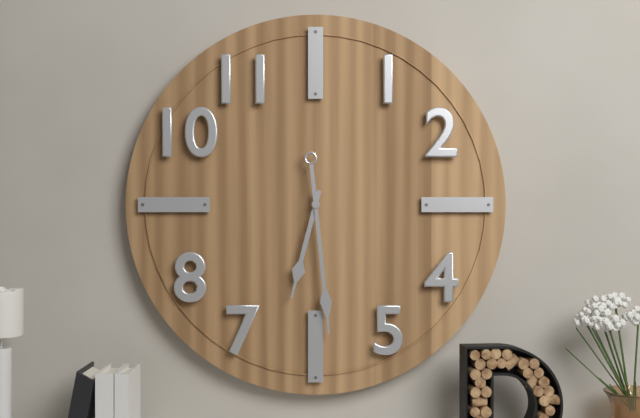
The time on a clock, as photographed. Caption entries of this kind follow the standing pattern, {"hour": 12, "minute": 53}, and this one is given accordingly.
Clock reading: {"hour": 6, "minute": 29}
